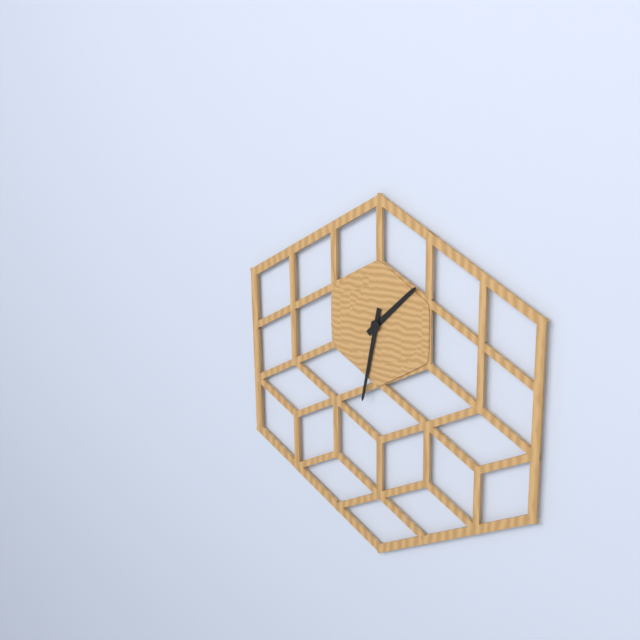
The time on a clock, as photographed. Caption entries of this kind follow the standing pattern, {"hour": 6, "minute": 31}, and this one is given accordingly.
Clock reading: {"hour": 1, "minute": 32}
